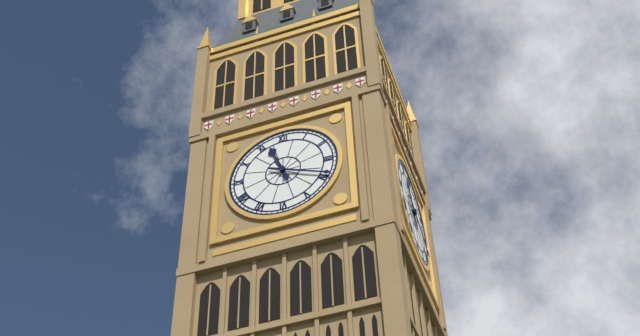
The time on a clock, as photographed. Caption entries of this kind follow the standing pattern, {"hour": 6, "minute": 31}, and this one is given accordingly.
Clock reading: {"hour": 11, "minute": 19}
